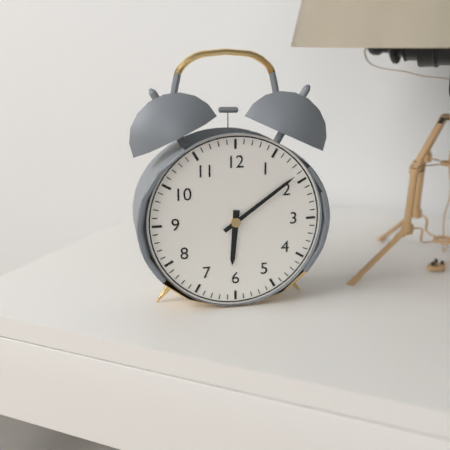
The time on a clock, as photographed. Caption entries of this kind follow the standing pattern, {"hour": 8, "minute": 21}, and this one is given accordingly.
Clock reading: {"hour": 6, "minute": 9}
